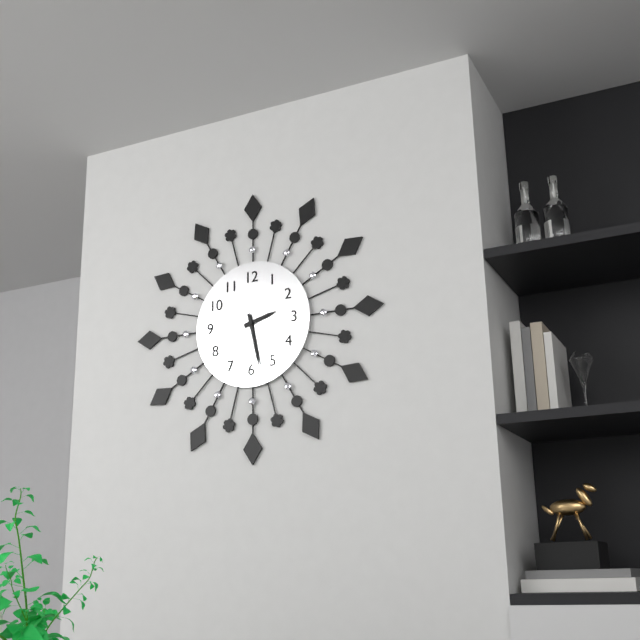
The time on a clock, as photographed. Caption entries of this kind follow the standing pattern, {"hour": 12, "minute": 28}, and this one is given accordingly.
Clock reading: {"hour": 2, "minute": 28}
